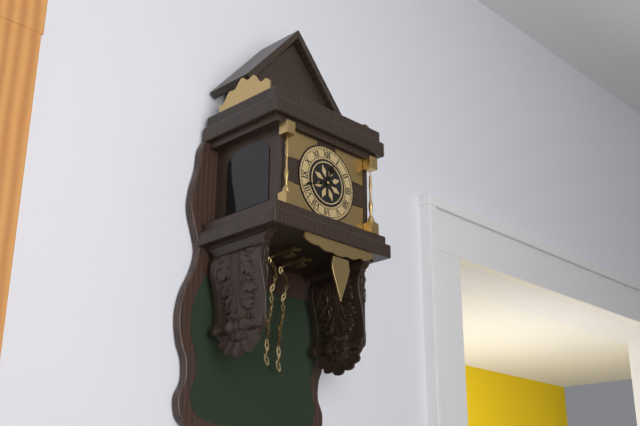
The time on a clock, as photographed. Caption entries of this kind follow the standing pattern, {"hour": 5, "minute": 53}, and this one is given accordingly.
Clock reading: {"hour": 12, "minute": 42}
